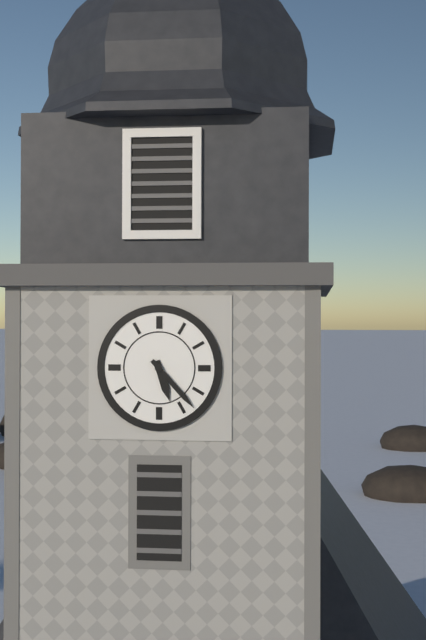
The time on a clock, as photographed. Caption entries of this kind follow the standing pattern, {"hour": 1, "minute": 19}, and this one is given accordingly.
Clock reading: {"hour": 5, "minute": 23}
